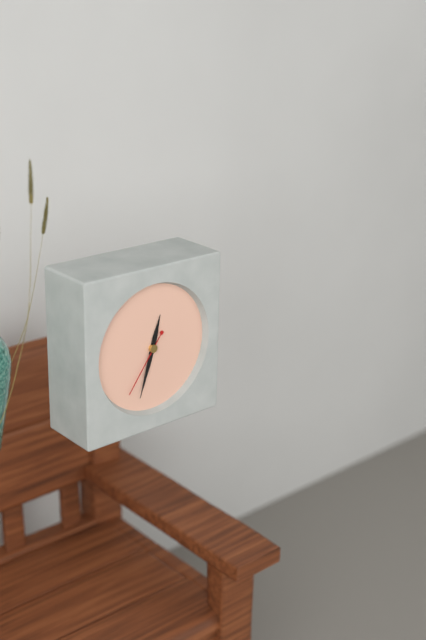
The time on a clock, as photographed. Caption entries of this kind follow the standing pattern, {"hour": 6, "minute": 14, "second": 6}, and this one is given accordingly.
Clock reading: {"hour": 12, "minute": 33, "second": 36}
